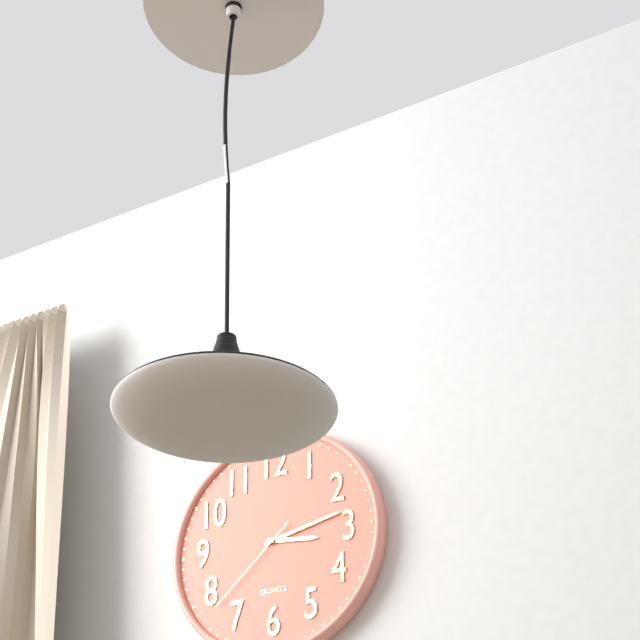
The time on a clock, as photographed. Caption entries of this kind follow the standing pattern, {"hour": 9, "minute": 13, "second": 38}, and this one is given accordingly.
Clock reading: {"hour": 3, "minute": 13, "second": 38}
